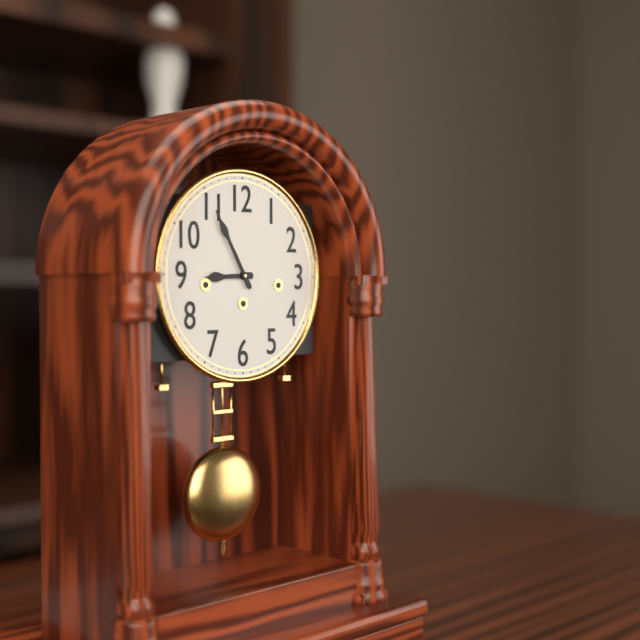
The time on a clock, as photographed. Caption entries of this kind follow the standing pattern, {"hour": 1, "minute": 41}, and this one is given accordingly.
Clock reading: {"hour": 8, "minute": 55}
